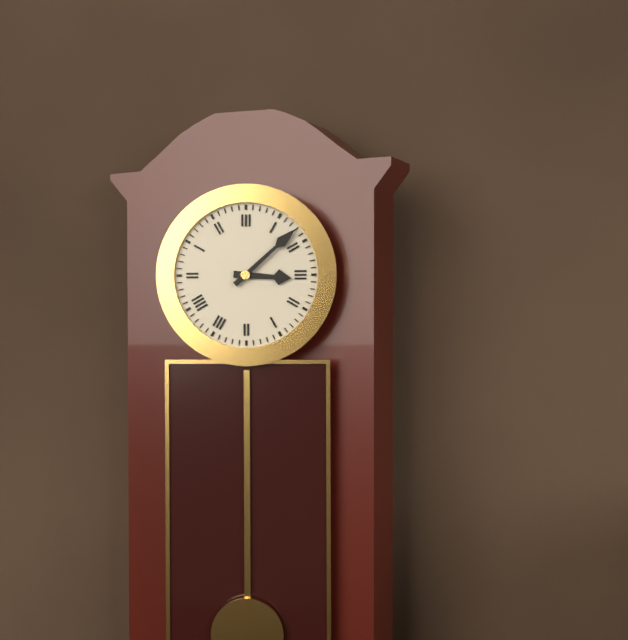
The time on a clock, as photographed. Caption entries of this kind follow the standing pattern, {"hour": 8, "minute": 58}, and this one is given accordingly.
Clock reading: {"hour": 3, "minute": 8}
